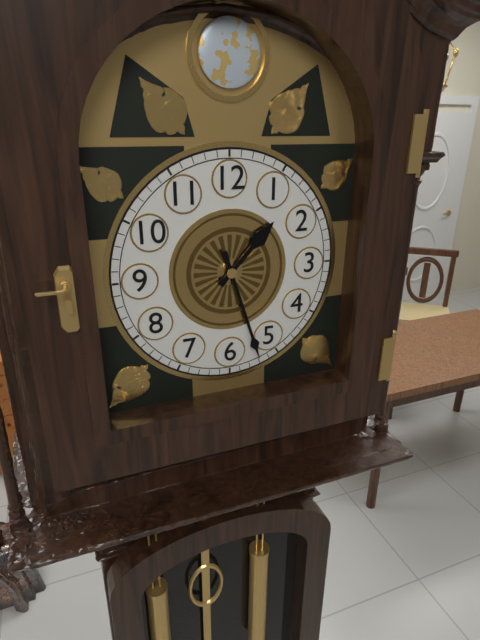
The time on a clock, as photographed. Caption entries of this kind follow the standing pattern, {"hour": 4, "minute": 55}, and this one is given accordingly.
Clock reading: {"hour": 1, "minute": 27}
